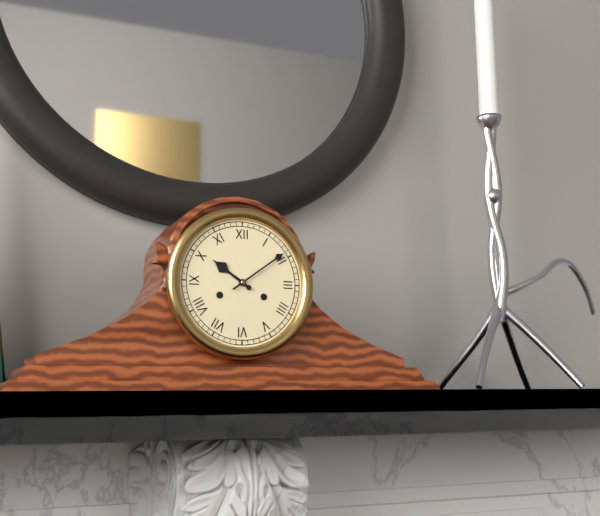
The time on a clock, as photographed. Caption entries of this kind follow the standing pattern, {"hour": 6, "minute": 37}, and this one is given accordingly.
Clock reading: {"hour": 10, "minute": 9}
